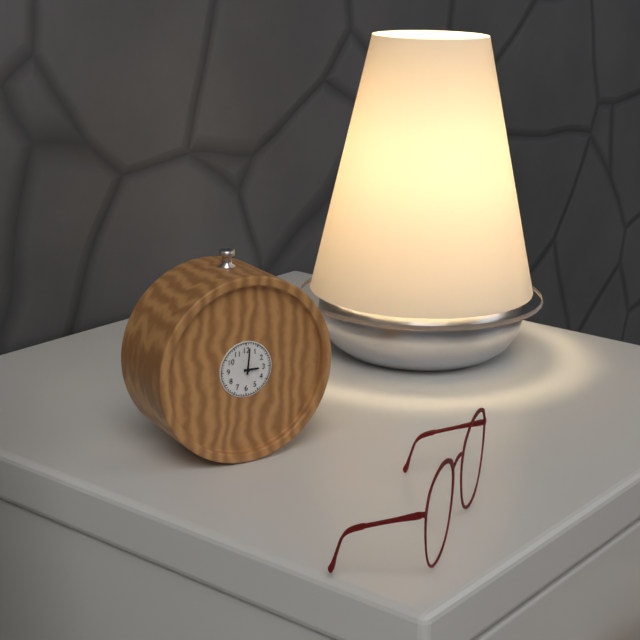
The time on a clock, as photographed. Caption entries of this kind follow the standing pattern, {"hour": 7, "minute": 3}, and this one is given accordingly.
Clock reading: {"hour": 3, "minute": 1}
